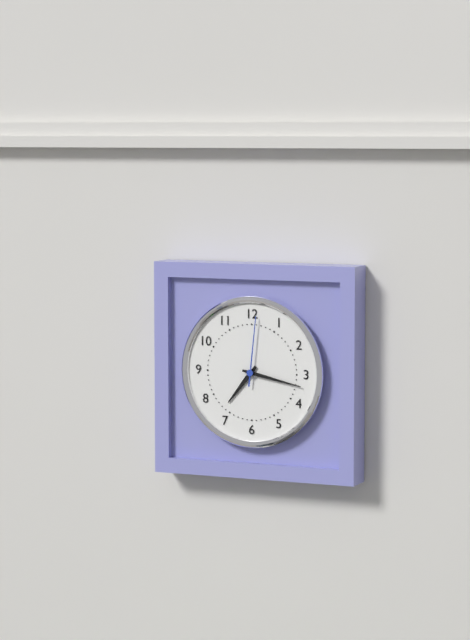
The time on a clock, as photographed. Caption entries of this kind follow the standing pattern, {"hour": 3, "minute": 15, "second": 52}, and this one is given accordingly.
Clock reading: {"hour": 7, "minute": 17, "second": 1}
